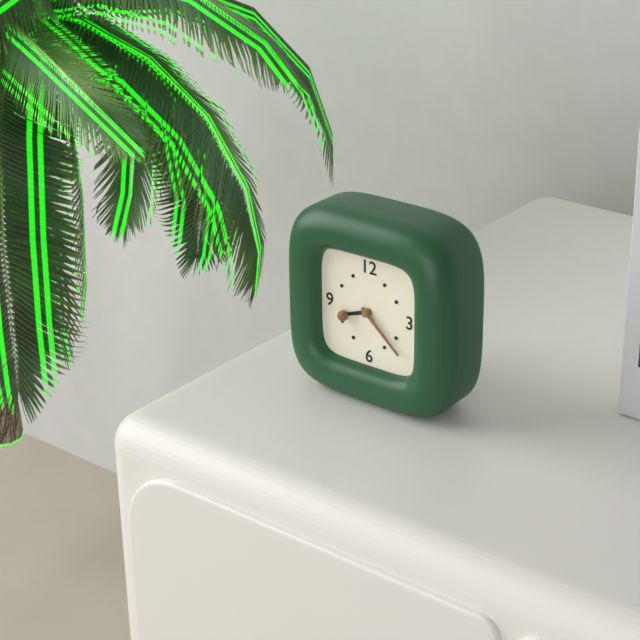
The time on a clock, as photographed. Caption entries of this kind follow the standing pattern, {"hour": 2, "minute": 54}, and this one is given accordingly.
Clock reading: {"hour": 8, "minute": 22}
